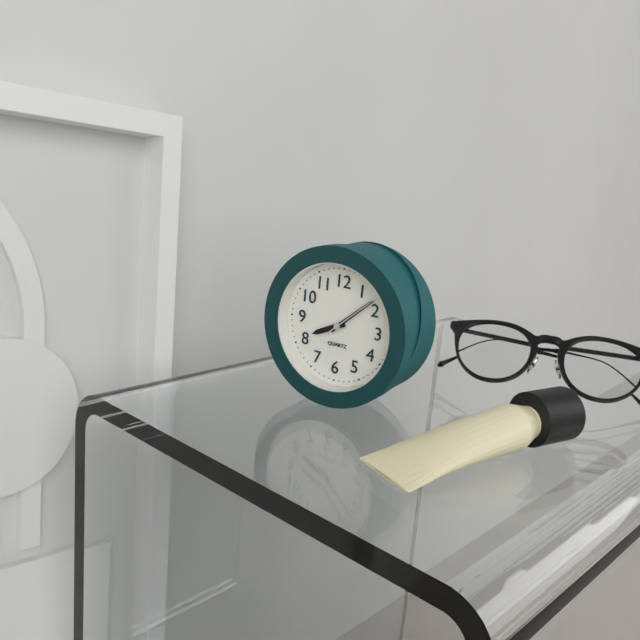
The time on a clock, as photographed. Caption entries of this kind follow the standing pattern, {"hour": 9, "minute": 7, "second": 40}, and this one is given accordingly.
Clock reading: {"hour": 8, "minute": 8, "second": 8}
